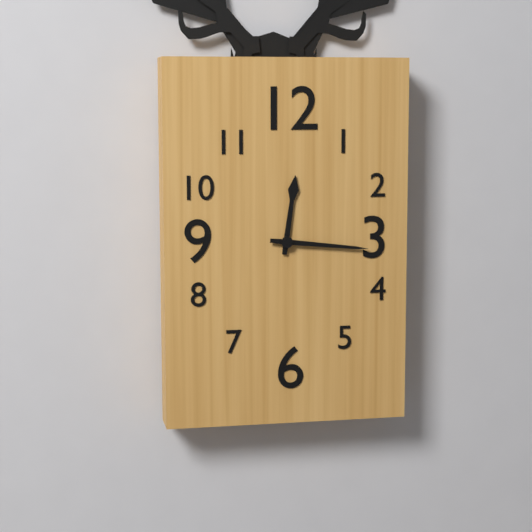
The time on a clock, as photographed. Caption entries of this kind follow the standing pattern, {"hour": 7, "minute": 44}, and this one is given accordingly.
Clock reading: {"hour": 12, "minute": 16}
